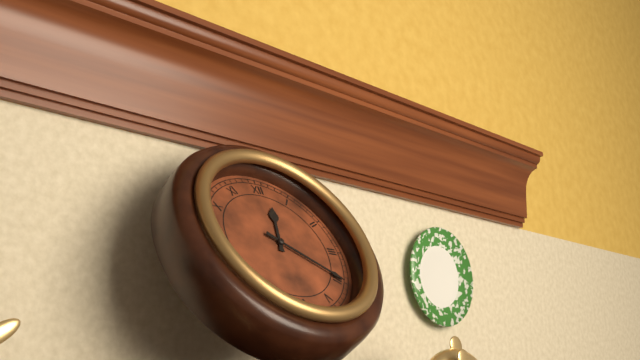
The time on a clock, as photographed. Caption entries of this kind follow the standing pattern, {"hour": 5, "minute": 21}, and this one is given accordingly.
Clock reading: {"hour": 12, "minute": 20}
